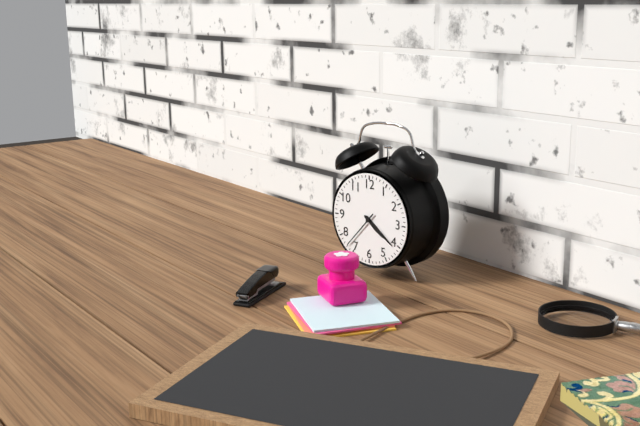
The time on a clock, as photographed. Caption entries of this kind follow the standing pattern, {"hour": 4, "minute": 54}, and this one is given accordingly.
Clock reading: {"hour": 4, "minute": 21}
